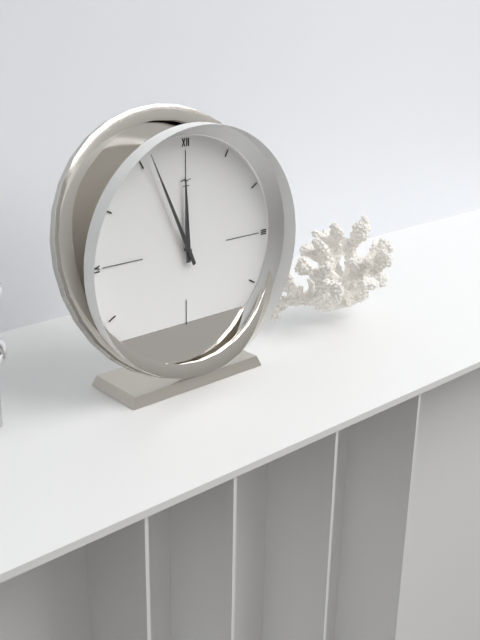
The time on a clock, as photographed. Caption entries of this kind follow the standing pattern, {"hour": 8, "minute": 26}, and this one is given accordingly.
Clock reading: {"hour": 11, "minute": 56}
